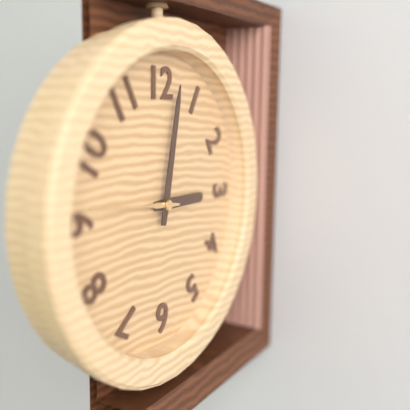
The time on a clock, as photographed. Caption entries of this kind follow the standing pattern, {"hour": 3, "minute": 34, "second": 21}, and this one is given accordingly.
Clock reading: {"hour": 3, "minute": 2, "second": 46}
